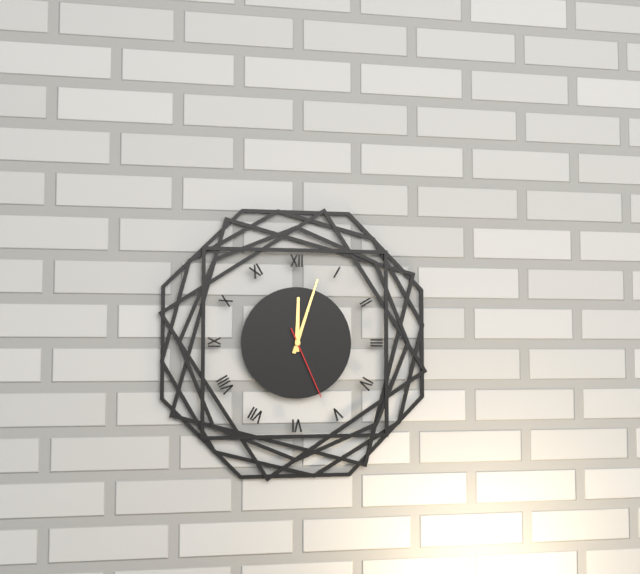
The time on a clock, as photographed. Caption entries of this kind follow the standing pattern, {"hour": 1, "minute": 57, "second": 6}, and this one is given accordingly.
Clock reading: {"hour": 12, "minute": 3, "second": 26}
